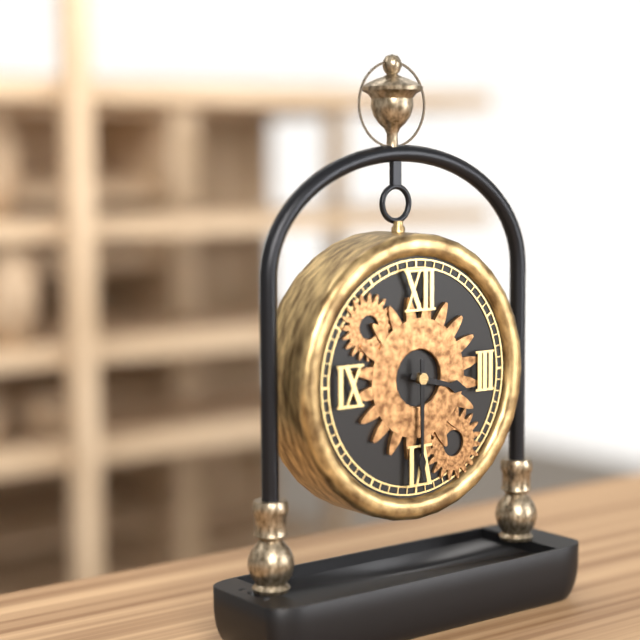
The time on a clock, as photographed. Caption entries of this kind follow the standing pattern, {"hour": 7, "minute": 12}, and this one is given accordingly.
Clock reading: {"hour": 3, "minute": 30}
